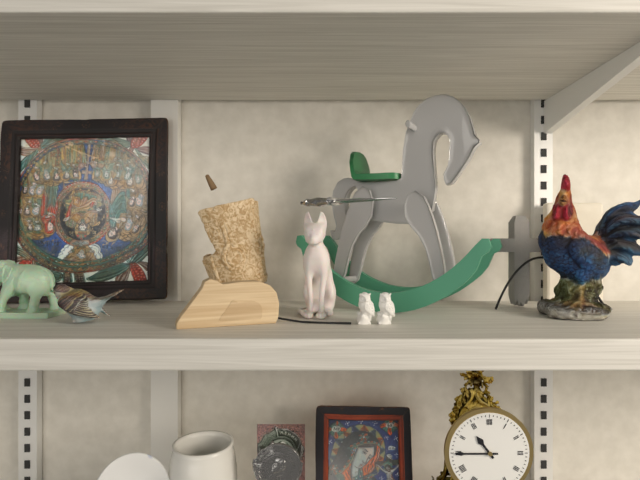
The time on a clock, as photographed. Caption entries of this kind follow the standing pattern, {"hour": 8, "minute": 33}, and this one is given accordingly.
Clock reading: {"hour": 10, "minute": 45}
